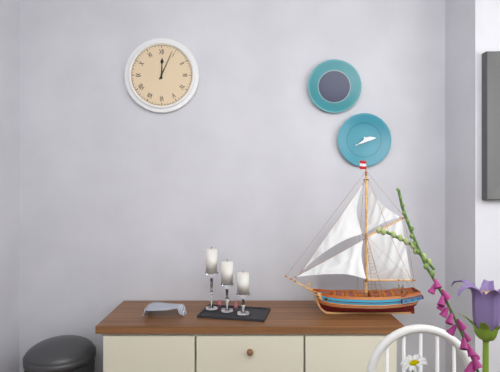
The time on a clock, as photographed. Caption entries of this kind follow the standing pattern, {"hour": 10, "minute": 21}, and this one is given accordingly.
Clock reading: {"hour": 12, "minute": 4}
